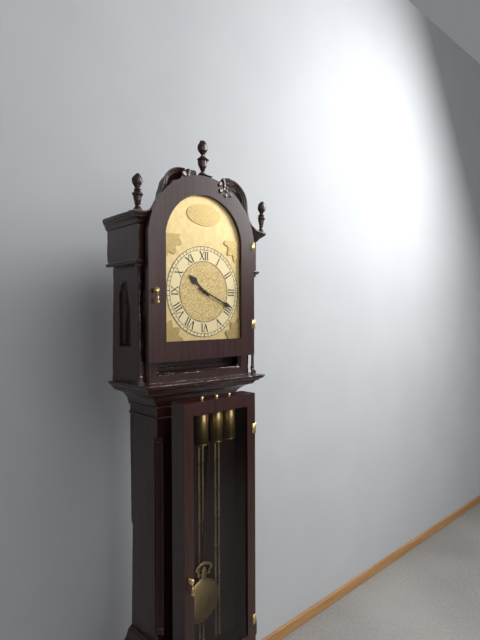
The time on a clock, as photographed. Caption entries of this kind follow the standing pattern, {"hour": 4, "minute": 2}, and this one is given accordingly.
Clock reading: {"hour": 10, "minute": 19}
